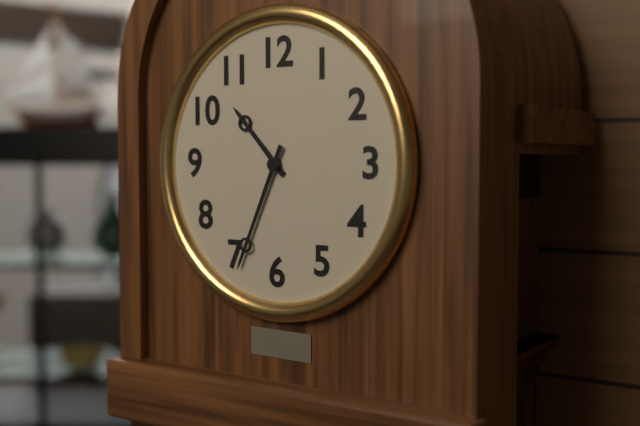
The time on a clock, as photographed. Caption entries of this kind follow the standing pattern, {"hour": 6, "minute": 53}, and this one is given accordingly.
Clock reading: {"hour": 10, "minute": 34}
